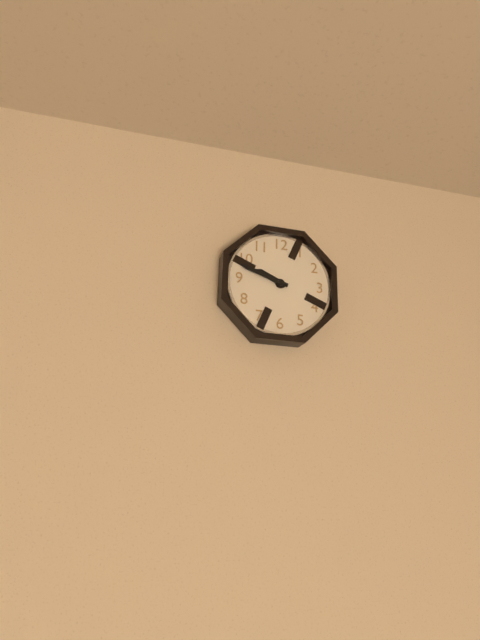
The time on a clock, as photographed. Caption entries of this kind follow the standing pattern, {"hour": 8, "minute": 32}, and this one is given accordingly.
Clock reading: {"hour": 9, "minute": 48}
